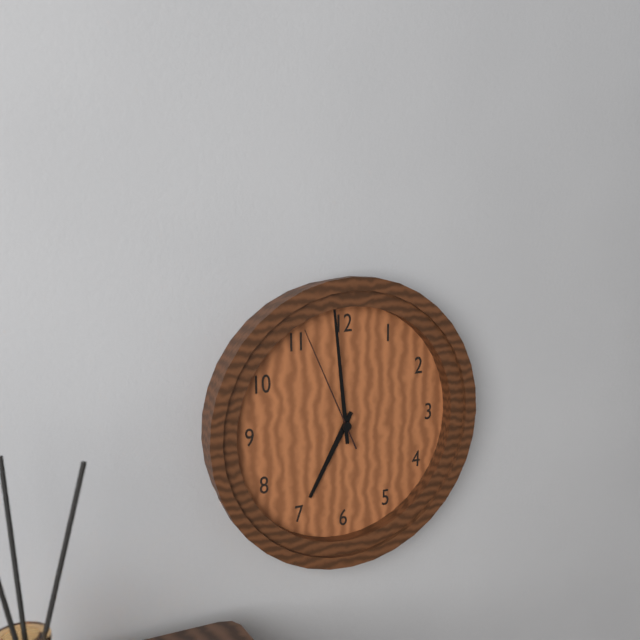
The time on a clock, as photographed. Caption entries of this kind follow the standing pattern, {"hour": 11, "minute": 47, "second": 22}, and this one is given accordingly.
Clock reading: {"hour": 6, "minute": 59, "second": 56}
